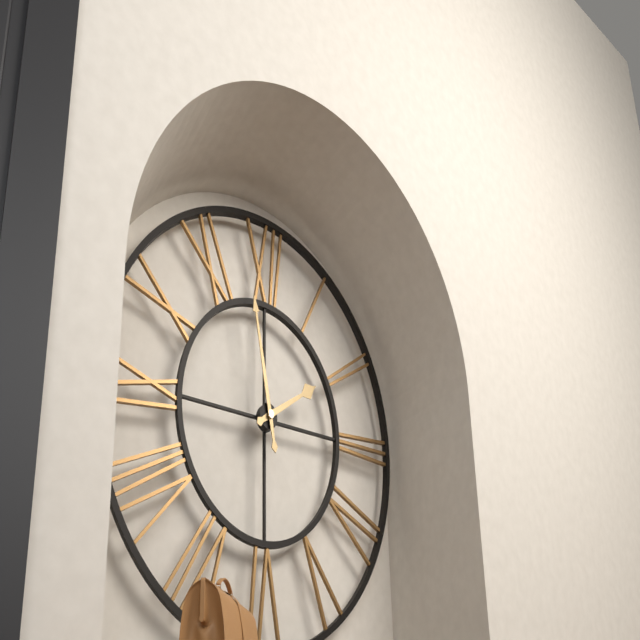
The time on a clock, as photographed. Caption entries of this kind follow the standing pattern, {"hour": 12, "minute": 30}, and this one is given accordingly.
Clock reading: {"hour": 1, "minute": 58}
